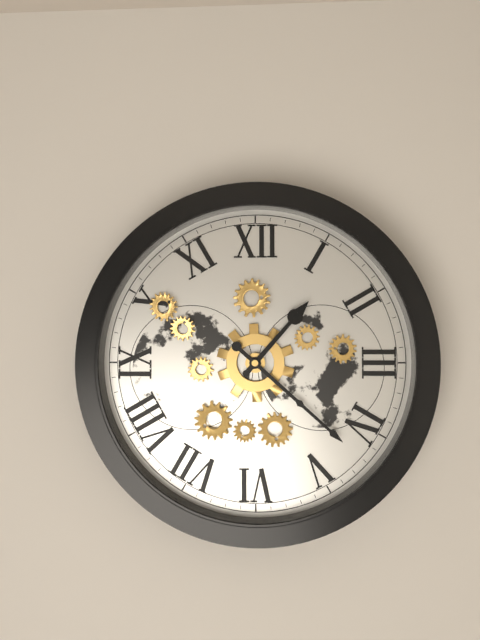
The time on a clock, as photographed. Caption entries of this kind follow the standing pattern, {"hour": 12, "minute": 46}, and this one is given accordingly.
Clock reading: {"hour": 1, "minute": 22}
